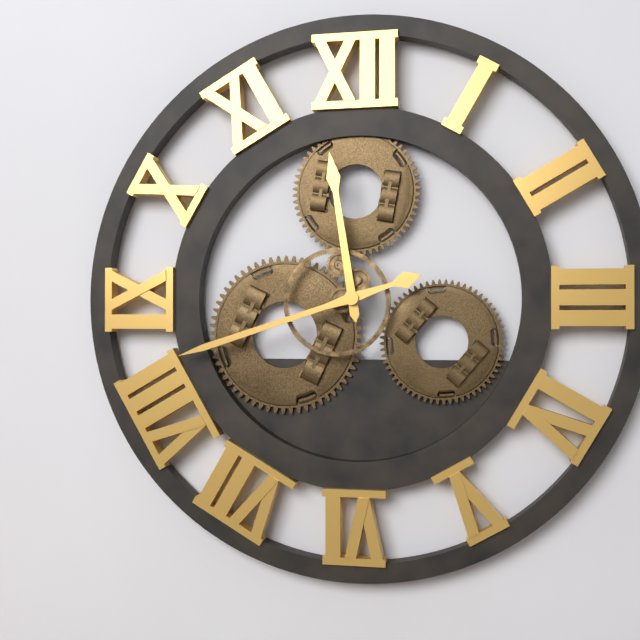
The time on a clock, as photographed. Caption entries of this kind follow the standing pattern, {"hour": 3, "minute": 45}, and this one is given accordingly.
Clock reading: {"hour": 11, "minute": 42}
